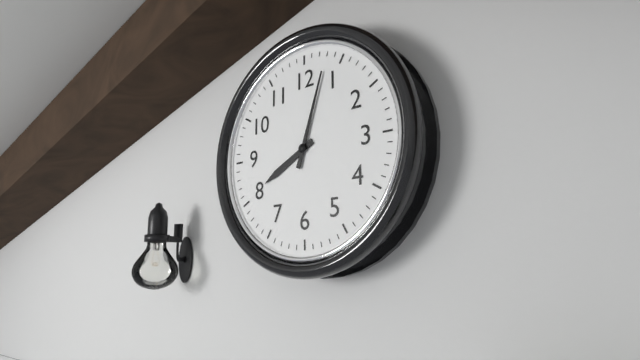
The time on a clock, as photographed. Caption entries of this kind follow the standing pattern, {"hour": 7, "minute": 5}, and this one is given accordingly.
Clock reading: {"hour": 8, "minute": 3}
